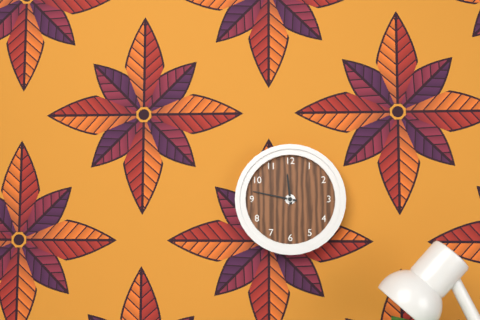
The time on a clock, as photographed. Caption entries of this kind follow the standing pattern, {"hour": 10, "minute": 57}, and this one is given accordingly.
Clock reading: {"hour": 11, "minute": 47}
